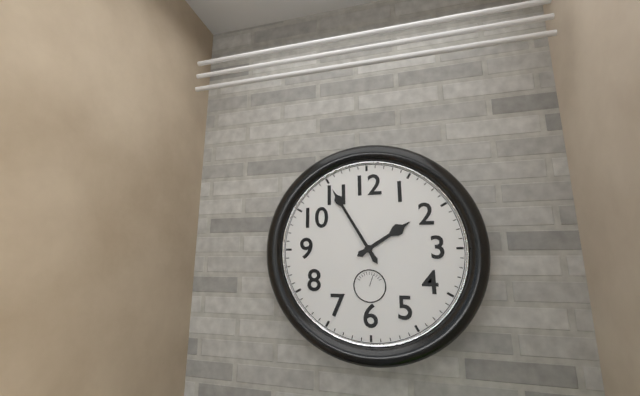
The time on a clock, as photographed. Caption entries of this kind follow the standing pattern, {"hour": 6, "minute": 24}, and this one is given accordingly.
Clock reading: {"hour": 1, "minute": 55}
